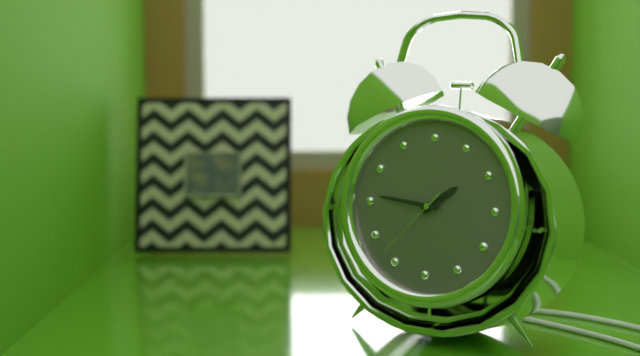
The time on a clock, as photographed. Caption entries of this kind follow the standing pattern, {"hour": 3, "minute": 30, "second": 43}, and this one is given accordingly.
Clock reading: {"hour": 1, "minute": 46, "second": 37}
